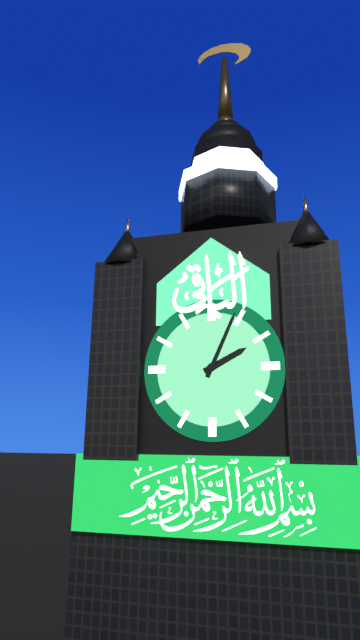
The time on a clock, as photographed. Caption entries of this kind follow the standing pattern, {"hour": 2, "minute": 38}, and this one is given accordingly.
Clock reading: {"hour": 2, "minute": 4}
